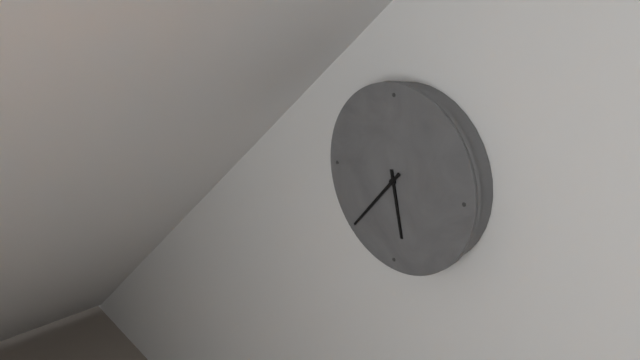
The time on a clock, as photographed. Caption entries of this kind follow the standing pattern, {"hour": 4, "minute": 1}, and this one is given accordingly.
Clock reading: {"hour": 5, "minute": 37}
